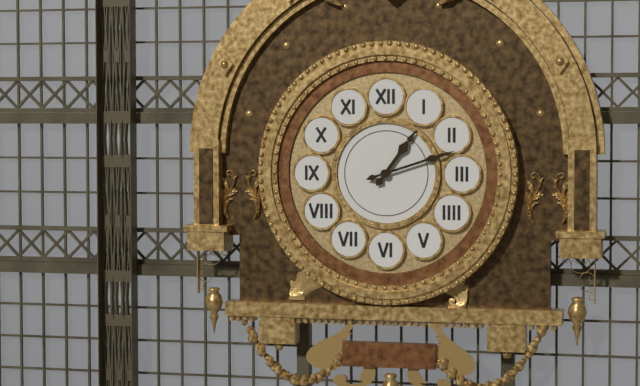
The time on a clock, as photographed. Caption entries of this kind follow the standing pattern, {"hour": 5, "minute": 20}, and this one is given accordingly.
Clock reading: {"hour": 1, "minute": 12}
